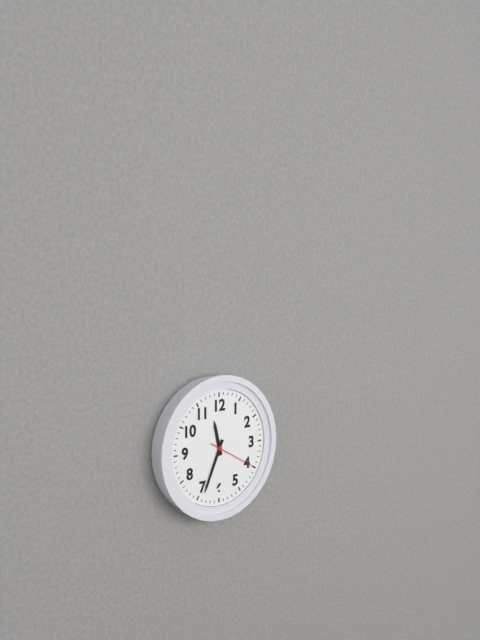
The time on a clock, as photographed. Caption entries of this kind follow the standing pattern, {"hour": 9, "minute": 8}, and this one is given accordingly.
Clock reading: {"hour": 11, "minute": 34}
